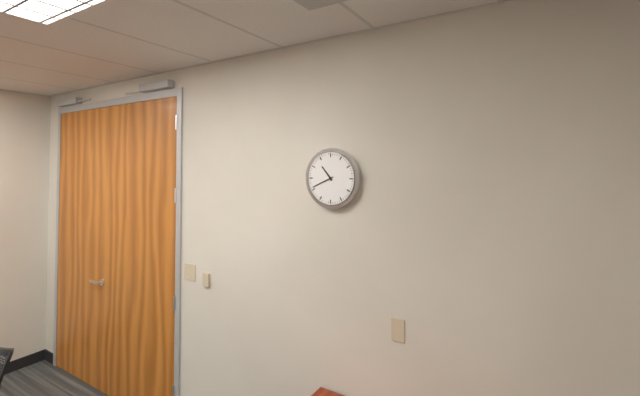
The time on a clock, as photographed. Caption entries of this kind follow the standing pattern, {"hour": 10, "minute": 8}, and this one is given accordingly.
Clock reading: {"hour": 10, "minute": 41}
